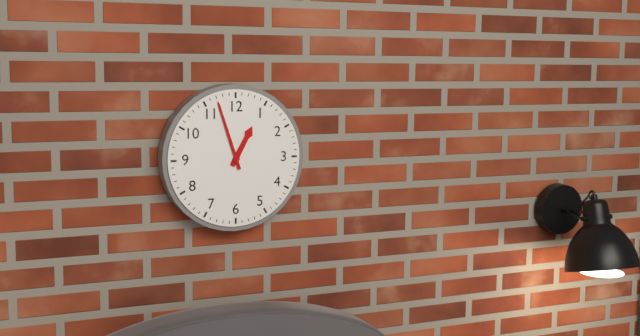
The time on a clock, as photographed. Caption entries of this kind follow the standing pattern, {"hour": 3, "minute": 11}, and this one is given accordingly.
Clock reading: {"hour": 12, "minute": 57}
